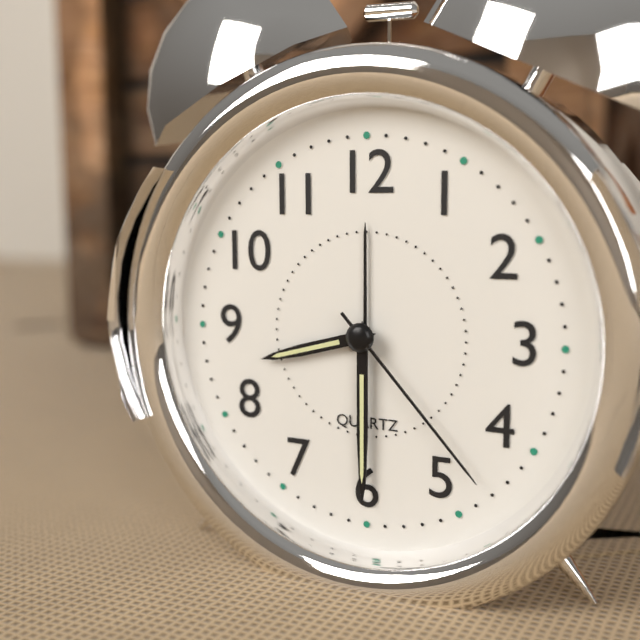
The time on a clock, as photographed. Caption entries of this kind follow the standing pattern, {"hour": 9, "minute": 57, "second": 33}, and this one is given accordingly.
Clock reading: {"hour": 8, "minute": 30, "second": 23}
